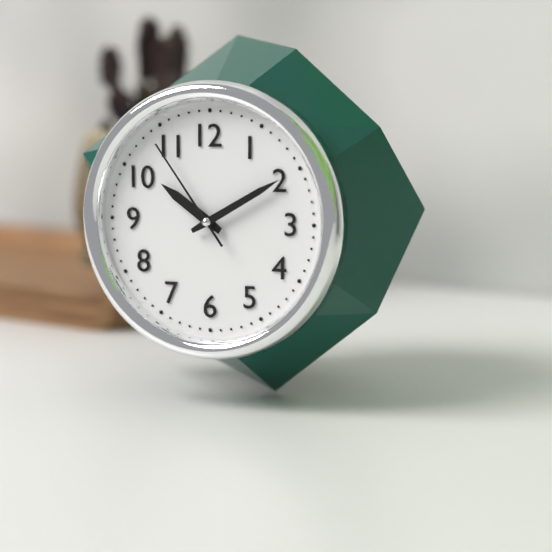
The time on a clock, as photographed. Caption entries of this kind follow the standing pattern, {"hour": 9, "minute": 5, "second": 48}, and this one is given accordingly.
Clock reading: {"hour": 10, "minute": 10, "second": 54}
